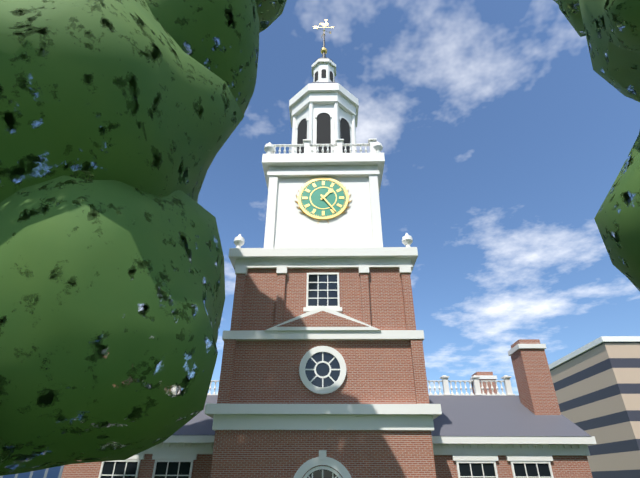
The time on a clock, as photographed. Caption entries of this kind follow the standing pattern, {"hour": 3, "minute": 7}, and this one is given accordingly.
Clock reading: {"hour": 1, "minute": 24}
